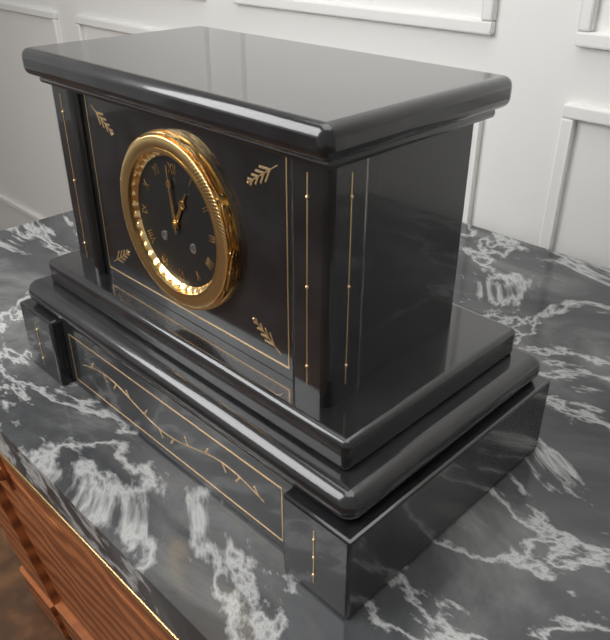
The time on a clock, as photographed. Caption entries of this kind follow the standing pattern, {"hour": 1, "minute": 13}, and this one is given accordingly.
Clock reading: {"hour": 12, "minute": 59}
